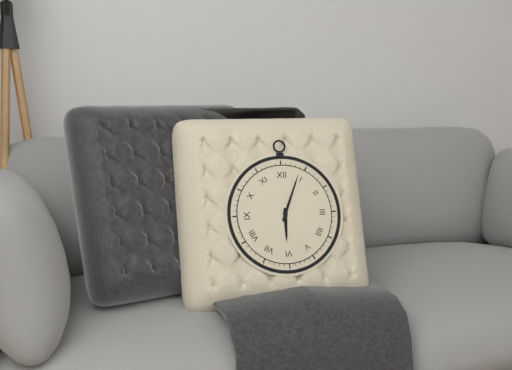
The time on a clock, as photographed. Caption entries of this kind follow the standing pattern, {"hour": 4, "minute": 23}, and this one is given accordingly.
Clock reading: {"hour": 6, "minute": 4}
